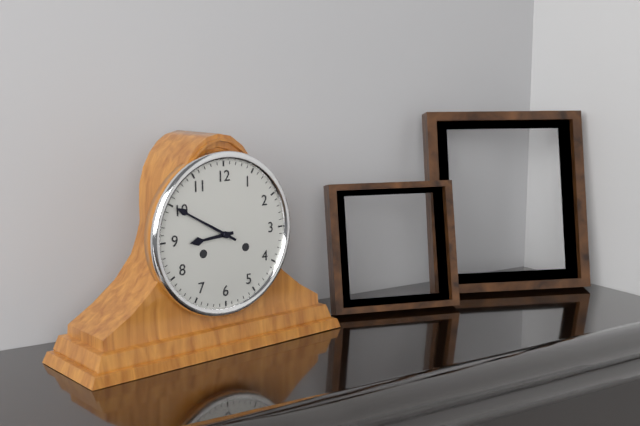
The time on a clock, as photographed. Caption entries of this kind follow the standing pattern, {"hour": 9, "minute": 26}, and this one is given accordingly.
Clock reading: {"hour": 8, "minute": 50}
